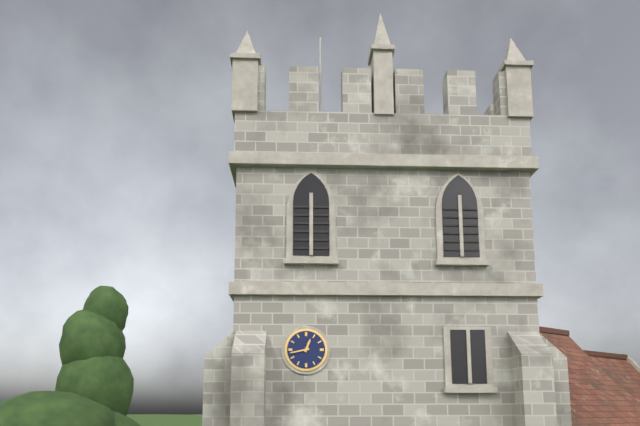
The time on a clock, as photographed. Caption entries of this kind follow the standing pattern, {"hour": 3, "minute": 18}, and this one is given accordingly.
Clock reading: {"hour": 12, "minute": 43}
